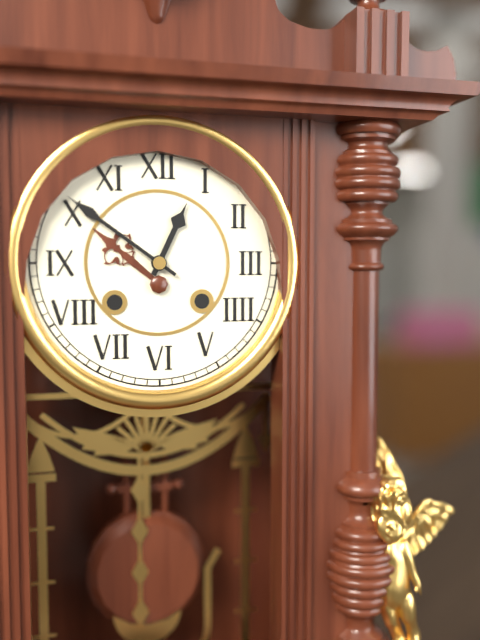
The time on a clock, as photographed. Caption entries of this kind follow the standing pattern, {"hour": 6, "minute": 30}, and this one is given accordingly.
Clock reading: {"hour": 12, "minute": 51}
